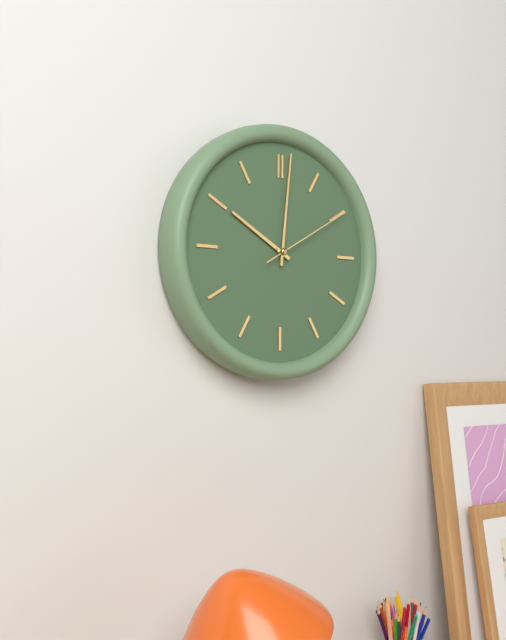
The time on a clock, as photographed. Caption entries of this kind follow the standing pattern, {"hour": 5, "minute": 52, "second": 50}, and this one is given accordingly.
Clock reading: {"hour": 10, "minute": 1, "second": 10}
